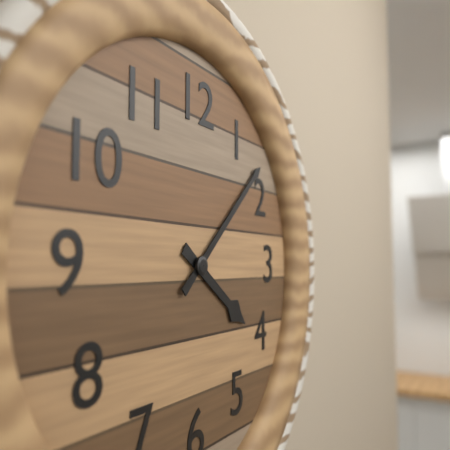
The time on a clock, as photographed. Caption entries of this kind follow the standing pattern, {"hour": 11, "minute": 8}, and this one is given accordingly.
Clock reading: {"hour": 4, "minute": 8}
